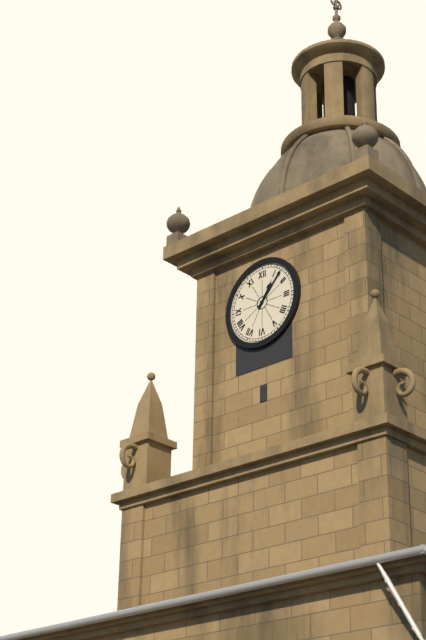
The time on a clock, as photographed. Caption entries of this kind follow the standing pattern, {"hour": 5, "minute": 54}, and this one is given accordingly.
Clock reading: {"hour": 1, "minute": 7}
